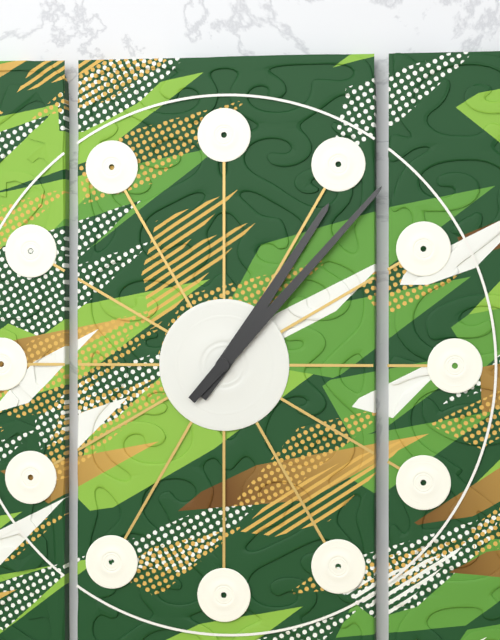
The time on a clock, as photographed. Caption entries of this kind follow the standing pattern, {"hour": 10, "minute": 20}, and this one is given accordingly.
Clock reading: {"hour": 1, "minute": 7}
